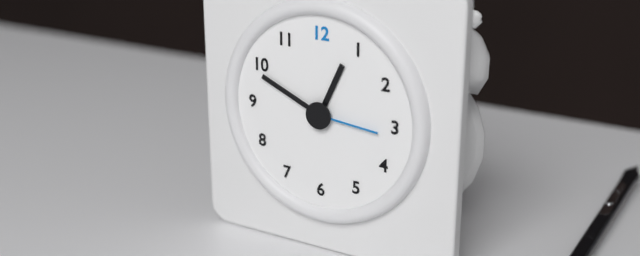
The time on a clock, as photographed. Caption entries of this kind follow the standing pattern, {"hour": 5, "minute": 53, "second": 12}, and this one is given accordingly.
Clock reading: {"hour": 12, "minute": 49, "second": 16}
